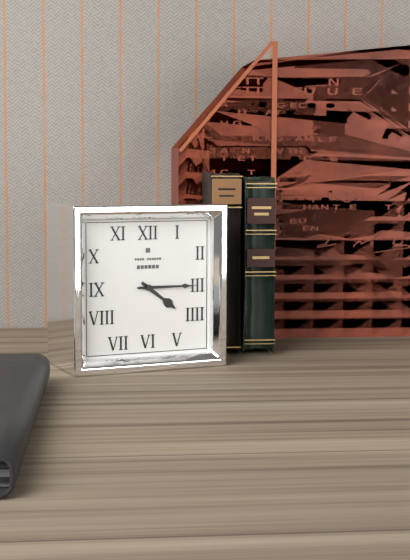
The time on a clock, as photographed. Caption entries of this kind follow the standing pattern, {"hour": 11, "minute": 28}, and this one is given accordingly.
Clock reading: {"hour": 4, "minute": 15}
